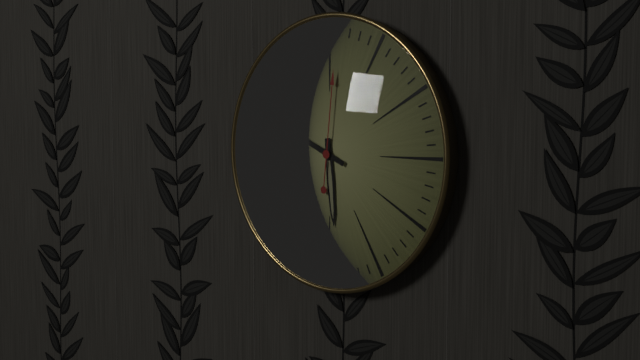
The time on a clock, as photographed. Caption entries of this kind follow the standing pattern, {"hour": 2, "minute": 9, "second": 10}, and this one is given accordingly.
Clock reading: {"hour": 5, "minute": 49, "second": 1}
